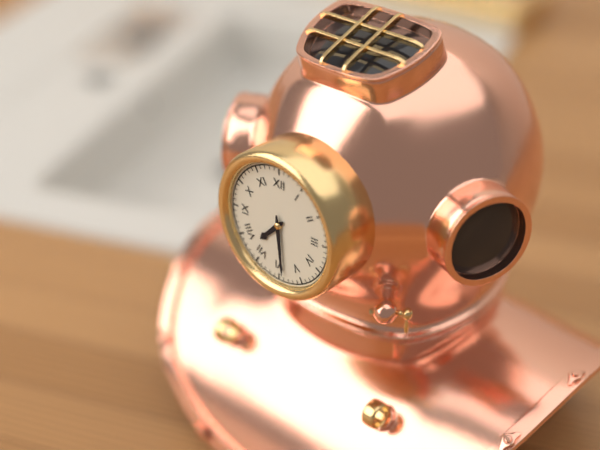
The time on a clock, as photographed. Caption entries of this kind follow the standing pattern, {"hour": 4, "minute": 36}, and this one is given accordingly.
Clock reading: {"hour": 7, "minute": 29}
